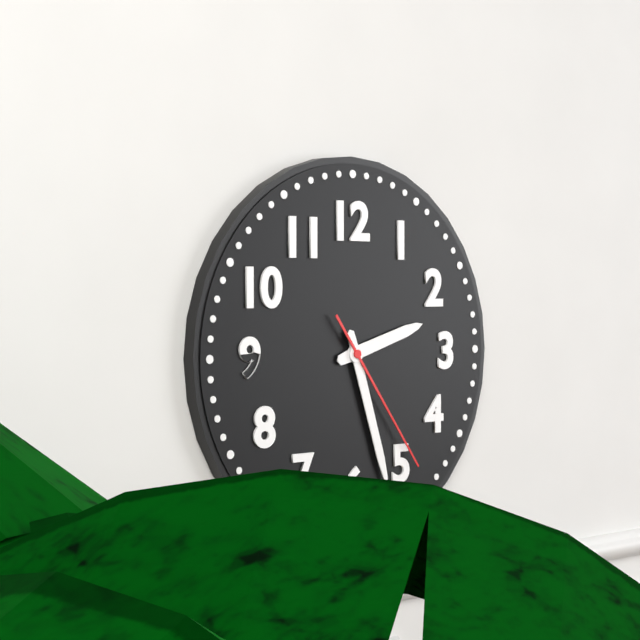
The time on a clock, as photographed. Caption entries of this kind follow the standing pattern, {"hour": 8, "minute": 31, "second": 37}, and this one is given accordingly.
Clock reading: {"hour": 2, "minute": 27, "second": 24}
